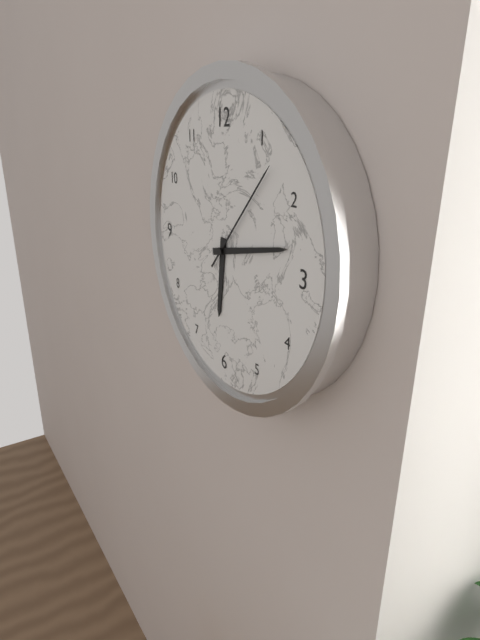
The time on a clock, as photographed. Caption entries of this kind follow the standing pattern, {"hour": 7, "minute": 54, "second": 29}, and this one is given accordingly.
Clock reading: {"hour": 6, "minute": 13, "second": 7}
